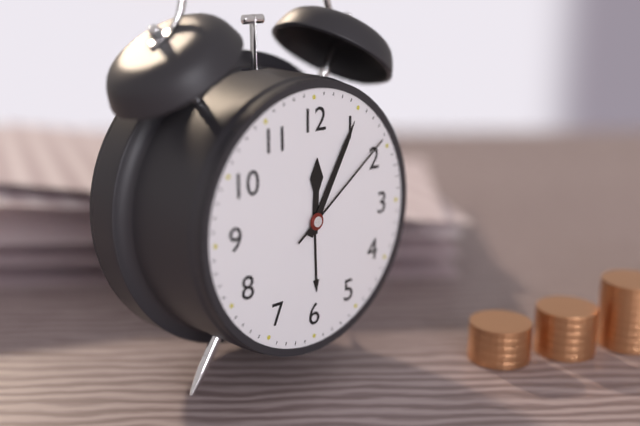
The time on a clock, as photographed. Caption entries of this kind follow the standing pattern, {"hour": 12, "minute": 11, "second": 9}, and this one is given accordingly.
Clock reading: {"hour": 12, "minute": 5, "second": 9}
